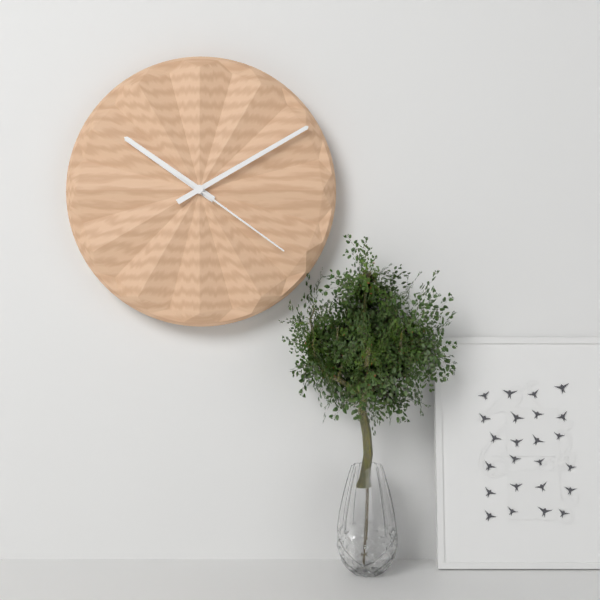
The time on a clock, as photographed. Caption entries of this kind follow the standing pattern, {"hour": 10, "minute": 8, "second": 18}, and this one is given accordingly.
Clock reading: {"hour": 10, "minute": 10, "second": 21}
